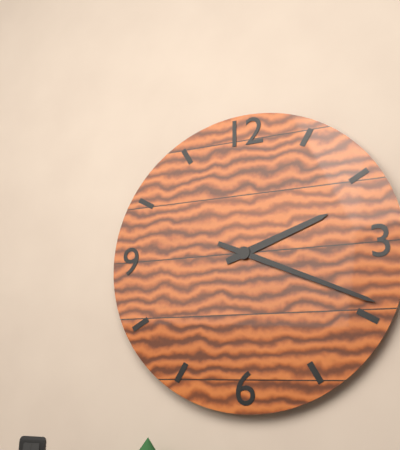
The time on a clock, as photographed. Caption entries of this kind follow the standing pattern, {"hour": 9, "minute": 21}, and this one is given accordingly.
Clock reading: {"hour": 2, "minute": 19}
